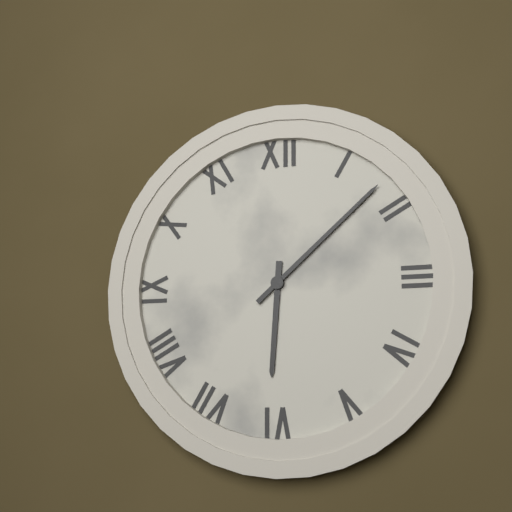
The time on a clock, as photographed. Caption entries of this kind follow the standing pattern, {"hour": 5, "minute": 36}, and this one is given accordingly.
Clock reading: {"hour": 6, "minute": 8}
